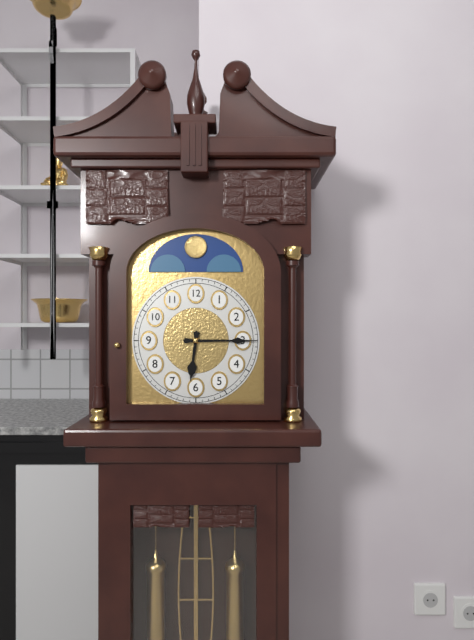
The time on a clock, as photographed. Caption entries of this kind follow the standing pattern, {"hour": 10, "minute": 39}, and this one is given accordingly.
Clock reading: {"hour": 6, "minute": 15}
